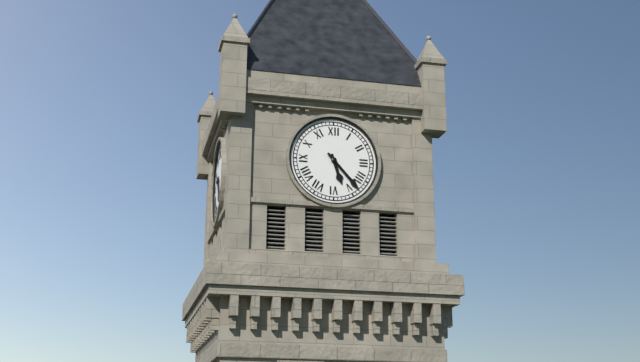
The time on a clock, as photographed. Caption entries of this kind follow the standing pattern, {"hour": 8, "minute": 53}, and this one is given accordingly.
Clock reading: {"hour": 5, "minute": 23}
